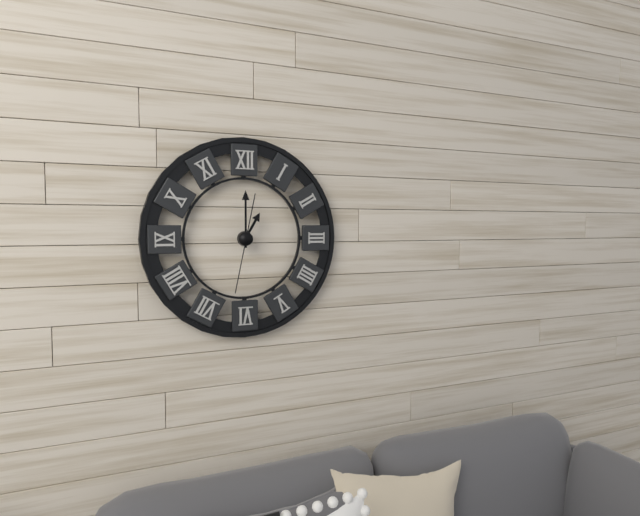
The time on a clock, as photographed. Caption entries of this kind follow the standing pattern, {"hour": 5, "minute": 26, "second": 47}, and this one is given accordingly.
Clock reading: {"hour": 1, "minute": 0, "second": 32}
